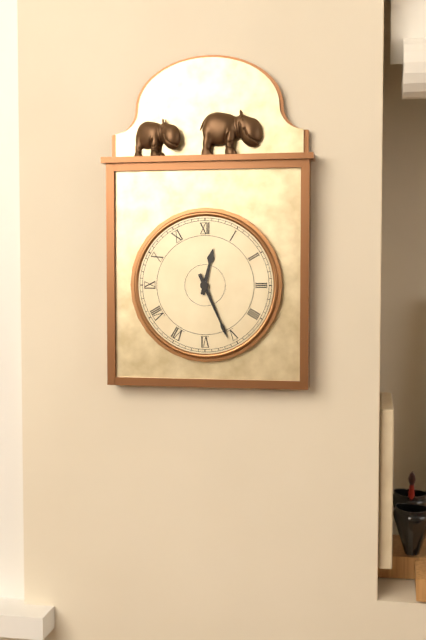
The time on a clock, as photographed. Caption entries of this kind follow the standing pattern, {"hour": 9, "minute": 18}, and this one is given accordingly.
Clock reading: {"hour": 12, "minute": 26}
